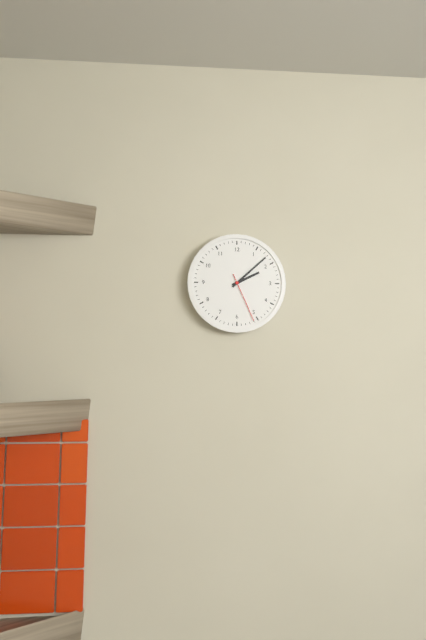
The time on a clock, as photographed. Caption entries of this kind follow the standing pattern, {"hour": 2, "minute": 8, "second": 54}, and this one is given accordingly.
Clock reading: {"hour": 2, "minute": 8, "second": 26}
